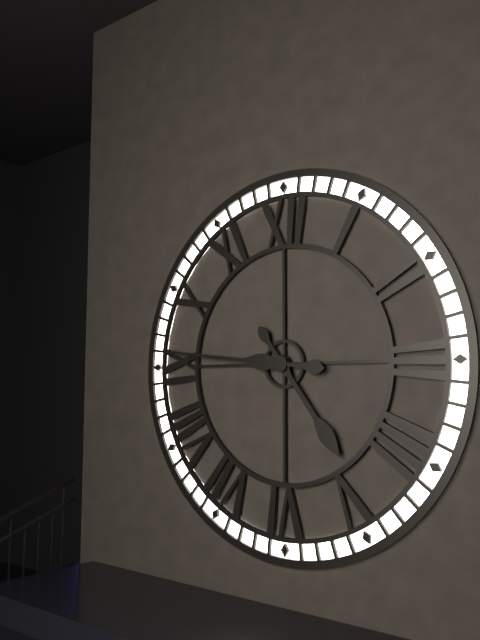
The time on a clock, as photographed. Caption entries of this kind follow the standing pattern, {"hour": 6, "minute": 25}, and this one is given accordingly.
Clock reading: {"hour": 4, "minute": 46}
